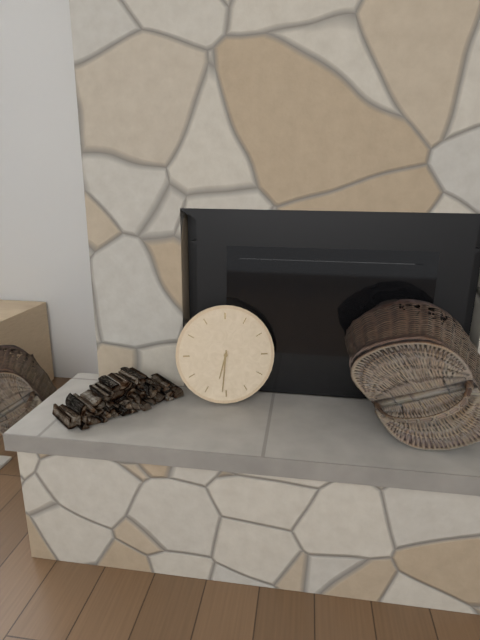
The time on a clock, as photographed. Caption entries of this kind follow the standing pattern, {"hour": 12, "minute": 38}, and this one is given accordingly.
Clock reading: {"hour": 6, "minute": 31}
